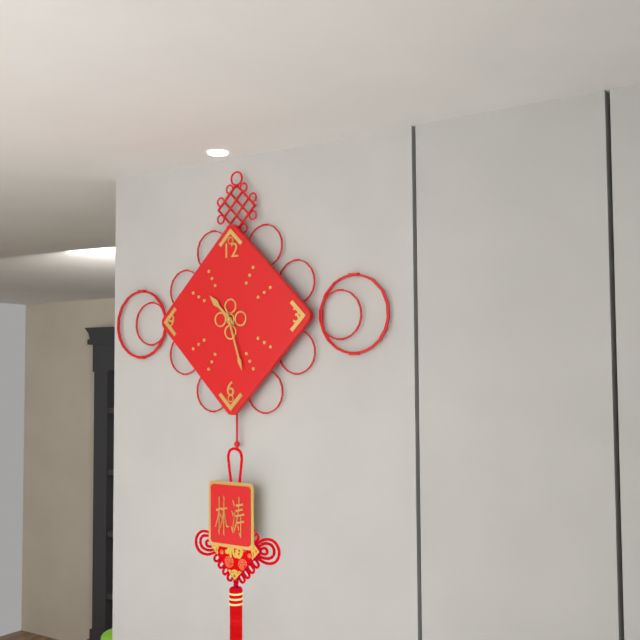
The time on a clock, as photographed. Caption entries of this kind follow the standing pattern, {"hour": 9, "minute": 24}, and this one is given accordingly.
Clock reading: {"hour": 10, "minute": 27}
